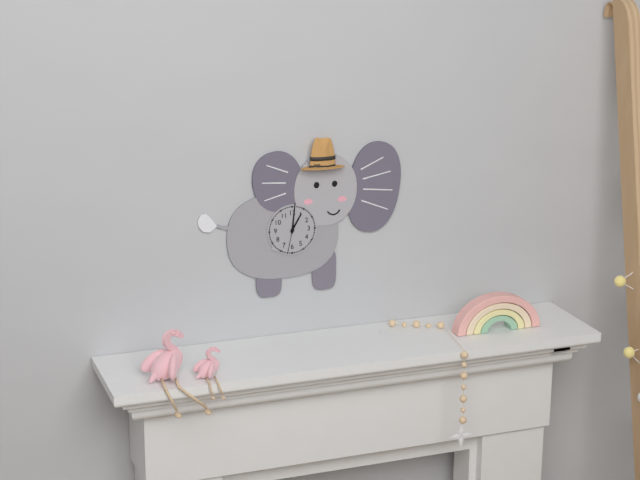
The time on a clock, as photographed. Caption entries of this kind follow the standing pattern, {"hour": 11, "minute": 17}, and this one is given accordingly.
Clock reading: {"hour": 1, "minute": 1}
